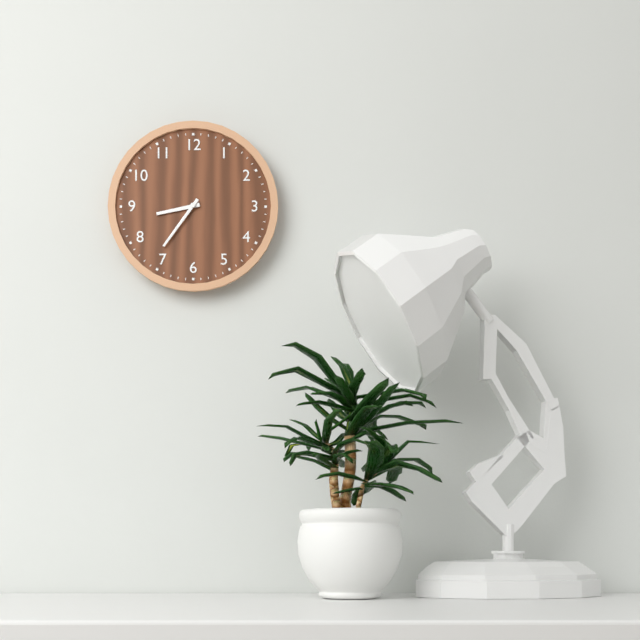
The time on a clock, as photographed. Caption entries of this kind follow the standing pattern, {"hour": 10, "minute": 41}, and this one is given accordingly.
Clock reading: {"hour": 8, "minute": 36}
